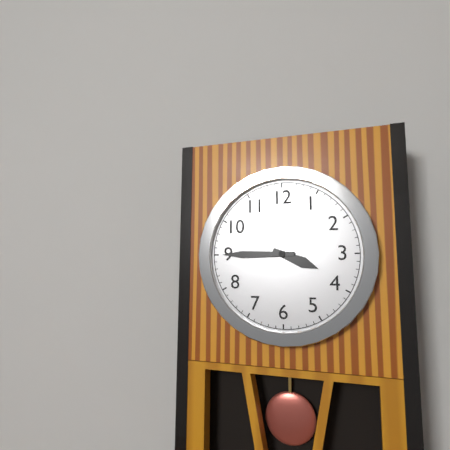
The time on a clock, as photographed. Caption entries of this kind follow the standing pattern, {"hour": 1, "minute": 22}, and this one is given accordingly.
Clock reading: {"hour": 3, "minute": 45}
